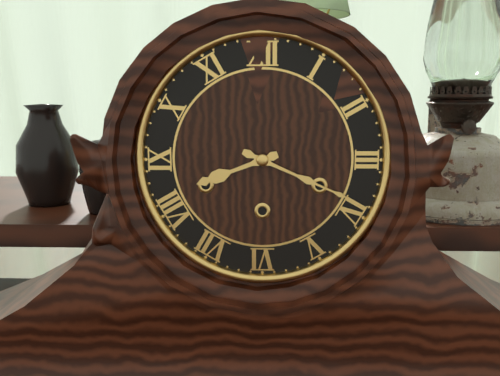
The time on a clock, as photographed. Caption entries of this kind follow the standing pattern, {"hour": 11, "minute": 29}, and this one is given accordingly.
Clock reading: {"hour": 8, "minute": 19}
